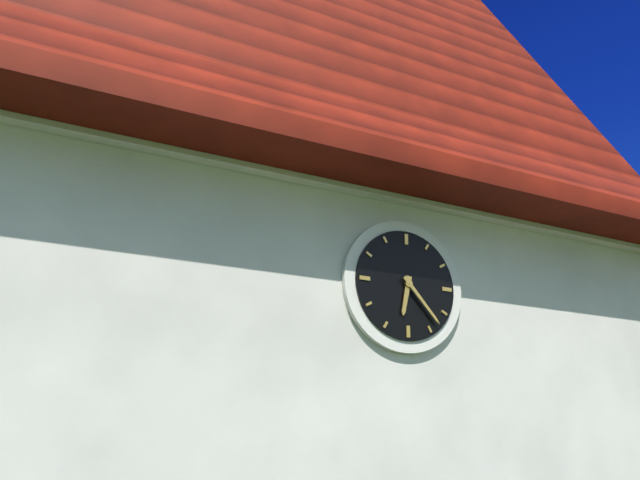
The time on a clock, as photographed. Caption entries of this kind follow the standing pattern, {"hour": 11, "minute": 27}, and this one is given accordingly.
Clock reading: {"hour": 6, "minute": 23}
